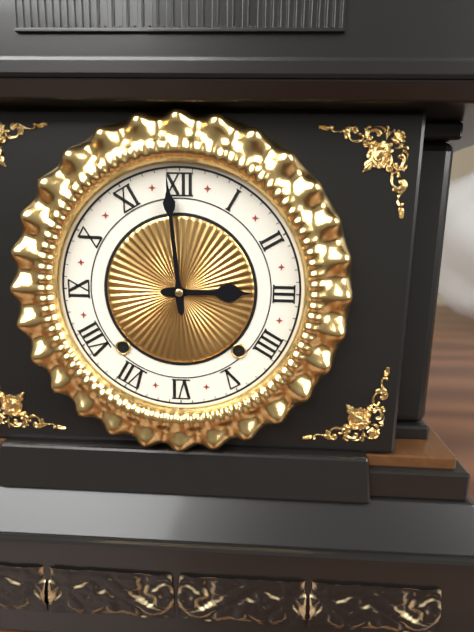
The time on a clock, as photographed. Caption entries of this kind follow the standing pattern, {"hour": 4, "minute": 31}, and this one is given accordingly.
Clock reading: {"hour": 2, "minute": 59}
